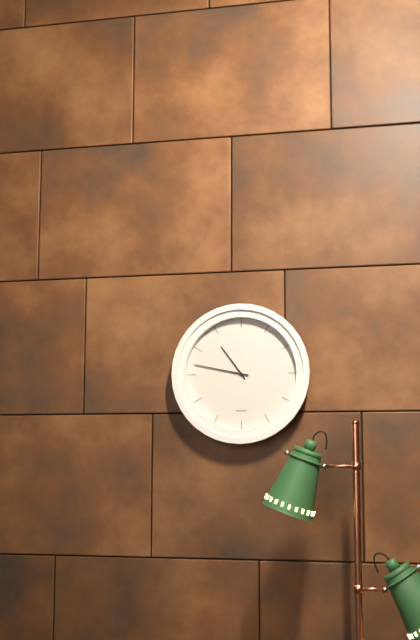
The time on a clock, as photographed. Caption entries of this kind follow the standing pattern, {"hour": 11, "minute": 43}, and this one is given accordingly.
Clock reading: {"hour": 10, "minute": 47}
